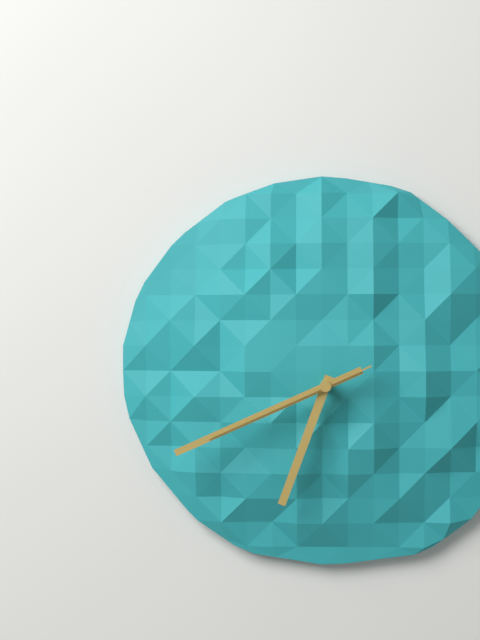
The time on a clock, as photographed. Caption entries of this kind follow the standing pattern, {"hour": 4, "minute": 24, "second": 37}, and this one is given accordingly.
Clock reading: {"hour": 6, "minute": 41, "second": 41}
